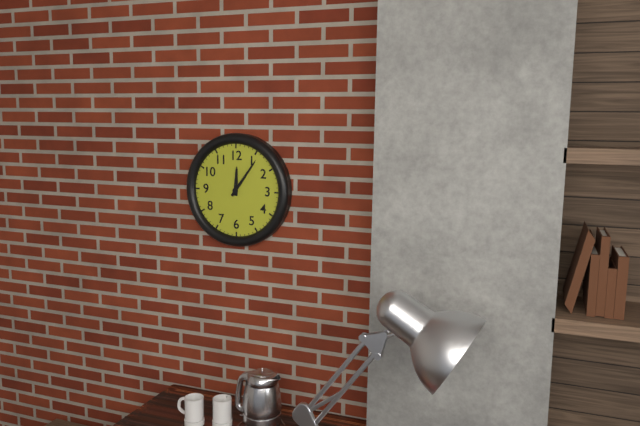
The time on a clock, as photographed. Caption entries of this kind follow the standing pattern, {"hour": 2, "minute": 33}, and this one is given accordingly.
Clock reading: {"hour": 12, "minute": 6}
